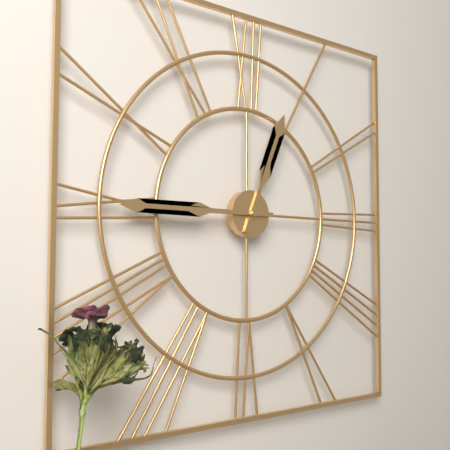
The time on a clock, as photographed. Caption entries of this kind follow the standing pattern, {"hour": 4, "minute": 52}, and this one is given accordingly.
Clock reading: {"hour": 12, "minute": 45}
